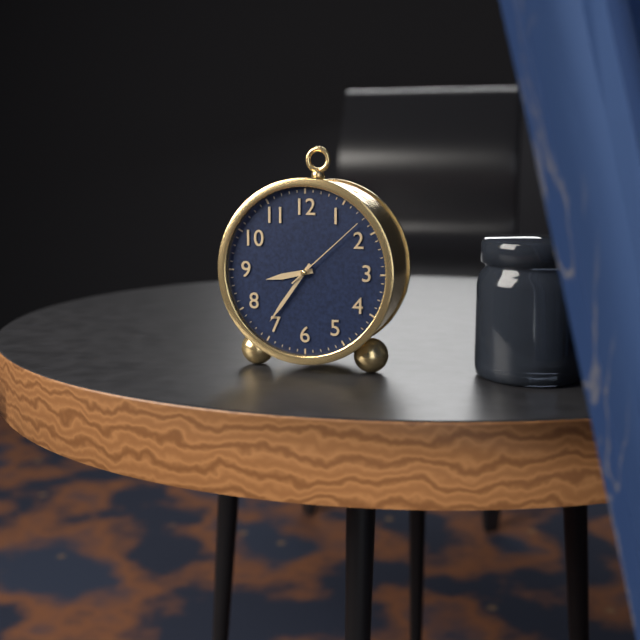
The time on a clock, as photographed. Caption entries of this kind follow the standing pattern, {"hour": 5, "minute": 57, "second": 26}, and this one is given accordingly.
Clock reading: {"hour": 8, "minute": 36, "second": 8}
